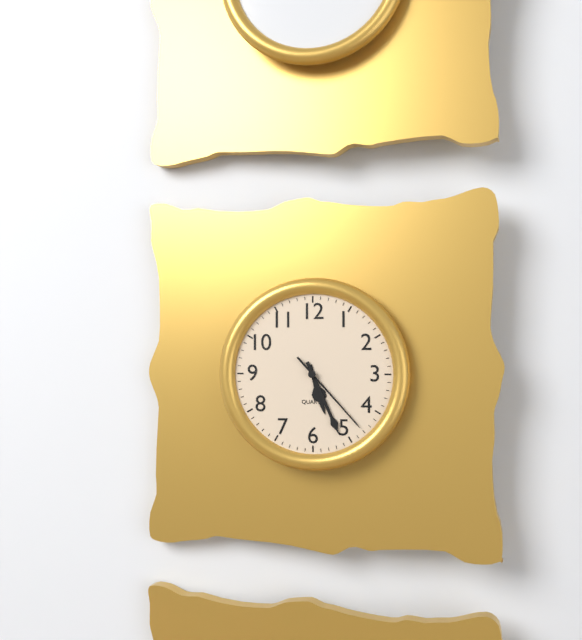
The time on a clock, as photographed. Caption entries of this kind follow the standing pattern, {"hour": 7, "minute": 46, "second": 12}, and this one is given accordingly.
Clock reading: {"hour": 5, "minute": 26, "second": 23}
